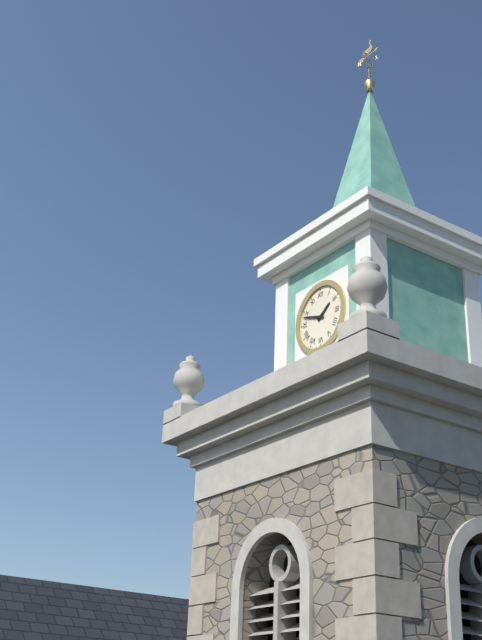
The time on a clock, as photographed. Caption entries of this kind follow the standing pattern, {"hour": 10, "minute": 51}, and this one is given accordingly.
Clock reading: {"hour": 1, "minute": 48}
